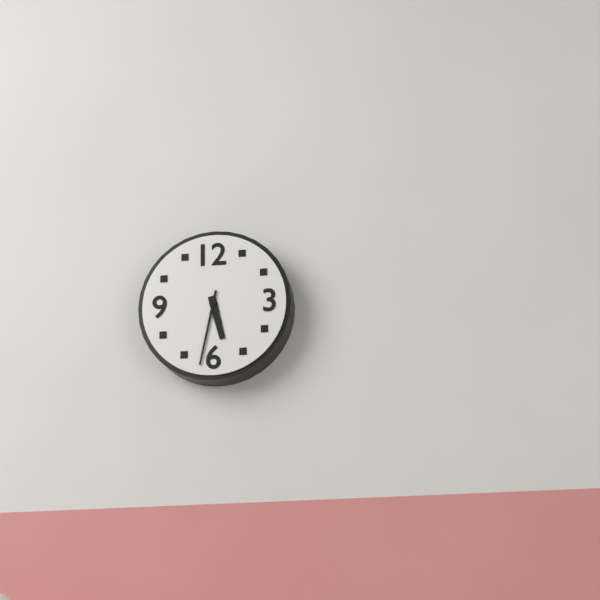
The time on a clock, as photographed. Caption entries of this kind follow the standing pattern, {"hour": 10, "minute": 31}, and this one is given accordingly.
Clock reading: {"hour": 5, "minute": 32}
